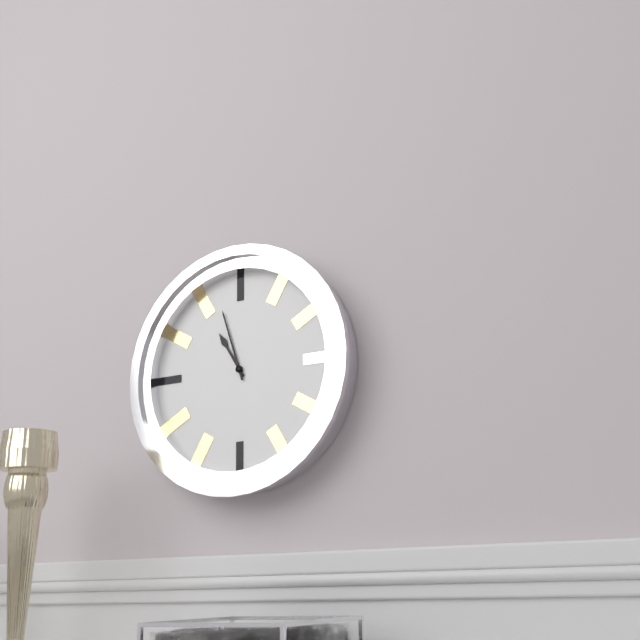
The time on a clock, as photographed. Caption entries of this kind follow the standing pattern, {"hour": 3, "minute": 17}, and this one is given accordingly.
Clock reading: {"hour": 10, "minute": 57}
